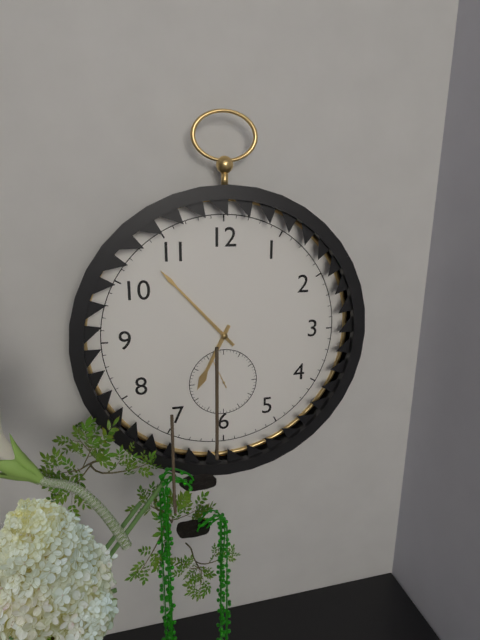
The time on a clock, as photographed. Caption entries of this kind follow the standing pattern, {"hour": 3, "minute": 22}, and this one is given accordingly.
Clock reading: {"hour": 6, "minute": 53}
